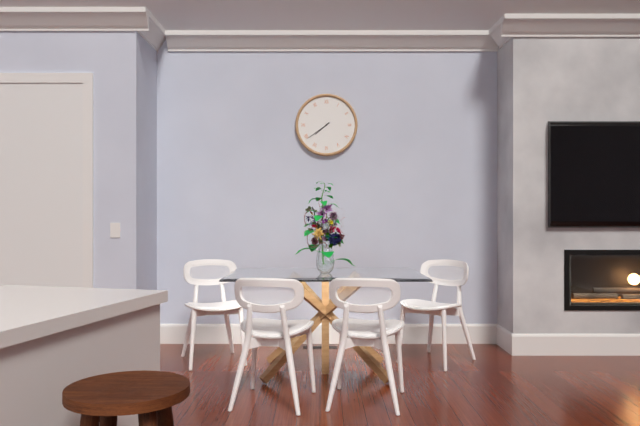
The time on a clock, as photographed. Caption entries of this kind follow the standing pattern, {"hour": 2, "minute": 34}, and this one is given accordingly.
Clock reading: {"hour": 7, "minute": 39}
